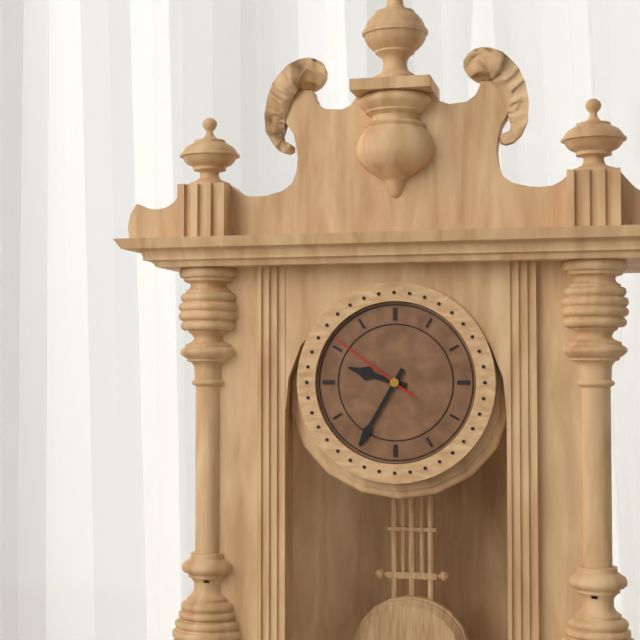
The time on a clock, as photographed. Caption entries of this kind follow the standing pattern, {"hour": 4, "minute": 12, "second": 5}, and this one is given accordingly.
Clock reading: {"hour": 9, "minute": 35, "second": 51}
